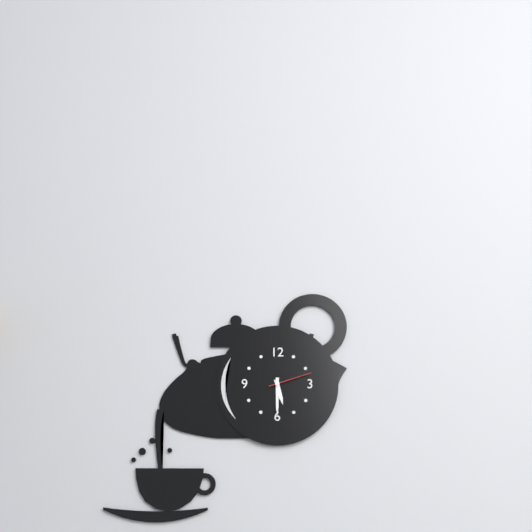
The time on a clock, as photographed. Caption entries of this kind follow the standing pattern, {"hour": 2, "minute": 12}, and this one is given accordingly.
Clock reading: {"hour": 5, "minute": 30}
